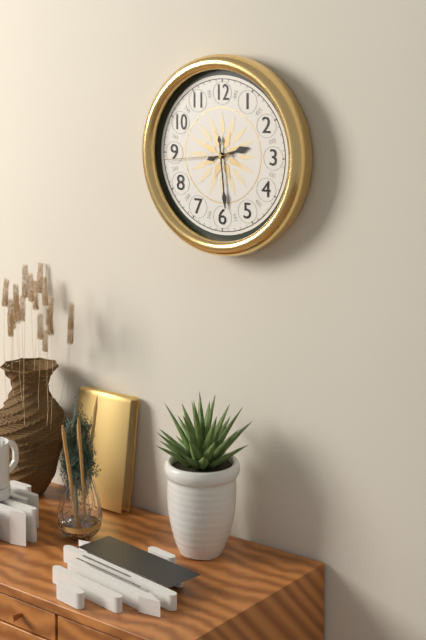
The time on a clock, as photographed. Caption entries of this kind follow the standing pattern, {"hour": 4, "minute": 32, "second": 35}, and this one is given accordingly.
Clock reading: {"hour": 2, "minute": 29, "second": 44}
